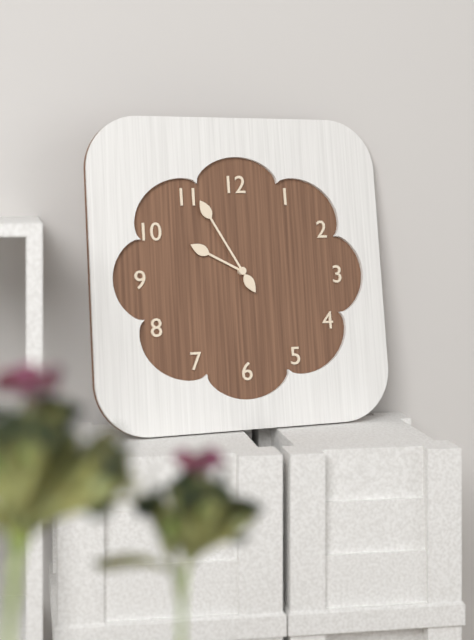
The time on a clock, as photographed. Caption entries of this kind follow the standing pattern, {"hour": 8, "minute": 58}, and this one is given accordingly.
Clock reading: {"hour": 9, "minute": 55}
